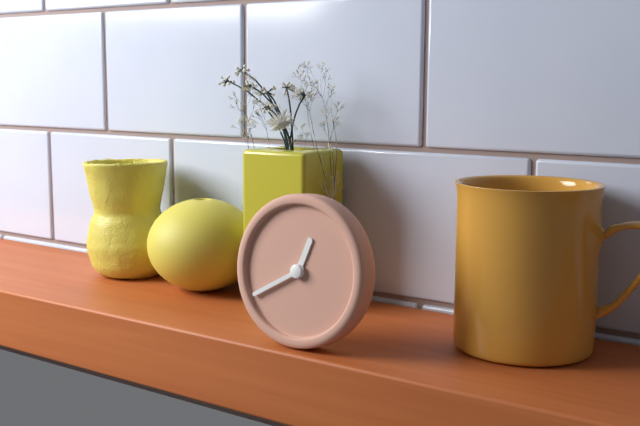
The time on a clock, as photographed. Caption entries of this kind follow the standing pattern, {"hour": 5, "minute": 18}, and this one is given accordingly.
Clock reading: {"hour": 12, "minute": 40}
